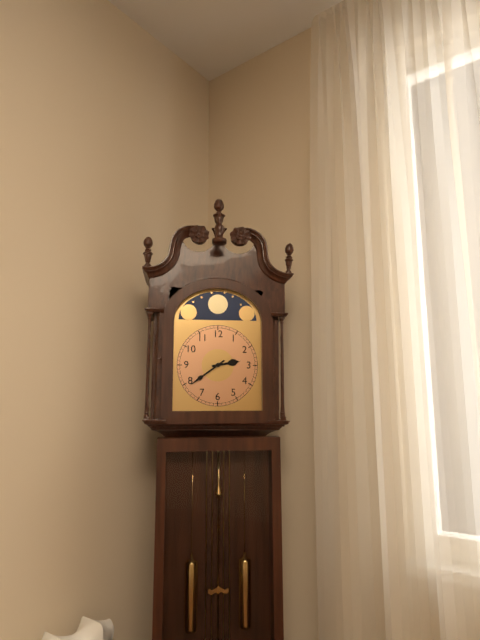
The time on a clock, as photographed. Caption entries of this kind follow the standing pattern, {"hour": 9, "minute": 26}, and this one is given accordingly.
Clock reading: {"hour": 2, "minute": 39}
